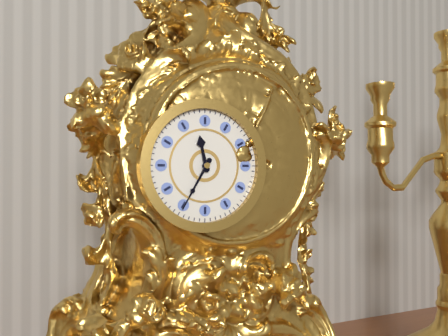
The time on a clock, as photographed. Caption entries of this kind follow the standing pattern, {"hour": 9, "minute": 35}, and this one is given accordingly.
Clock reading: {"hour": 11, "minute": 35}
